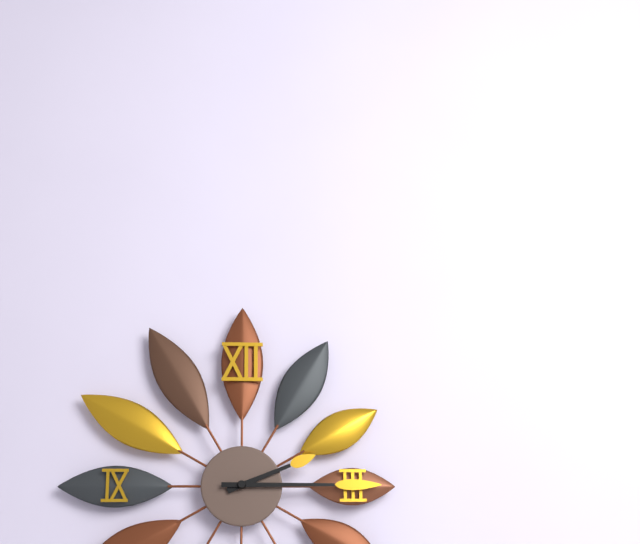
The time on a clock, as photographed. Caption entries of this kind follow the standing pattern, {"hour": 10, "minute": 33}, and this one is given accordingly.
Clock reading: {"hour": 2, "minute": 15}
